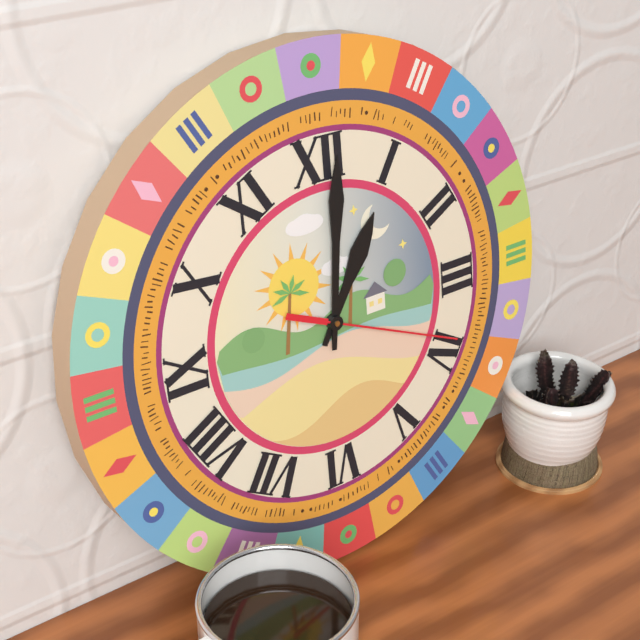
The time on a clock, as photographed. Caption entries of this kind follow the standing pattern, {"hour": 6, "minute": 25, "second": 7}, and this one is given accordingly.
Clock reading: {"hour": 1, "minute": 1, "second": 19}
